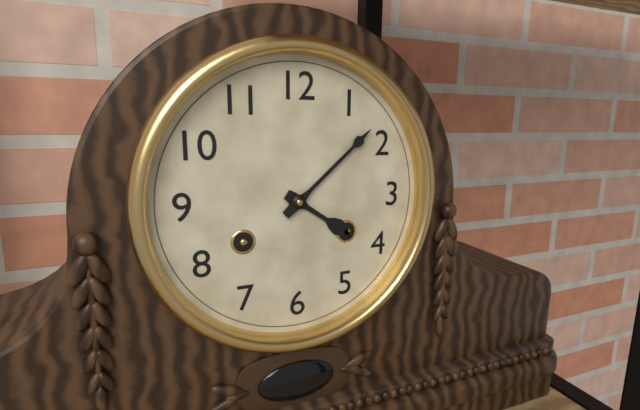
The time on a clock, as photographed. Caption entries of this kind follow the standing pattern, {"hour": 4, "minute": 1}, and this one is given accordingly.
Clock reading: {"hour": 4, "minute": 8}
